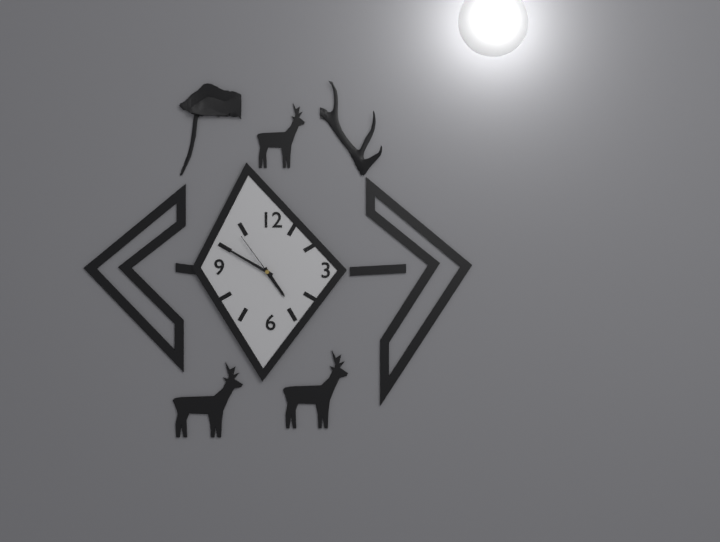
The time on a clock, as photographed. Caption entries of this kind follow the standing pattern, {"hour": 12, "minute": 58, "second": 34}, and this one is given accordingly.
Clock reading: {"hour": 4, "minute": 50, "second": 54}
